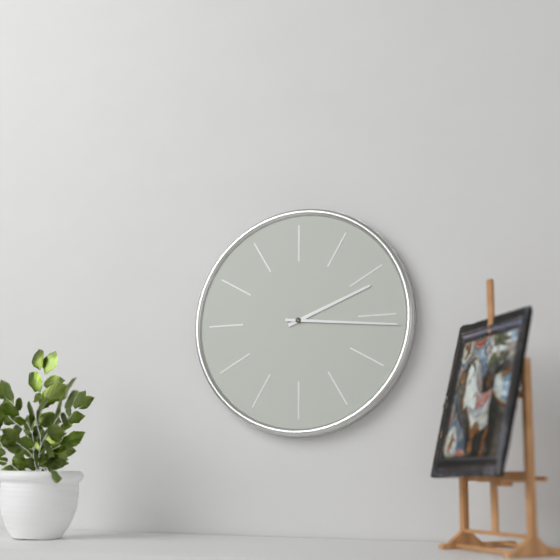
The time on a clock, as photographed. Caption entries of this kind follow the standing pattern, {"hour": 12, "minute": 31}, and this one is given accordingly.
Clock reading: {"hour": 2, "minute": 16}
